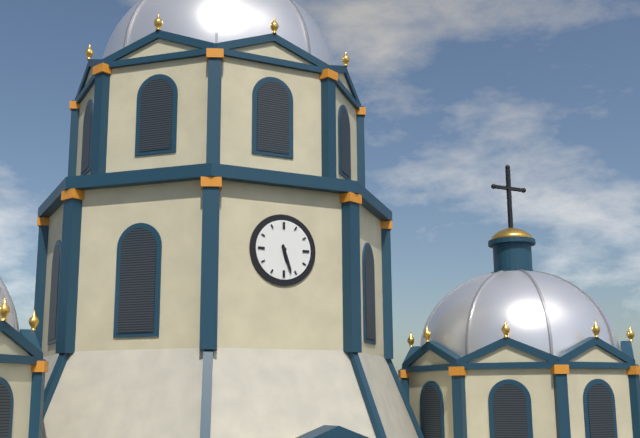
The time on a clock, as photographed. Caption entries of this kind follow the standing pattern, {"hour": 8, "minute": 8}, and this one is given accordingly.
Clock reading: {"hour": 5, "minute": 27}
